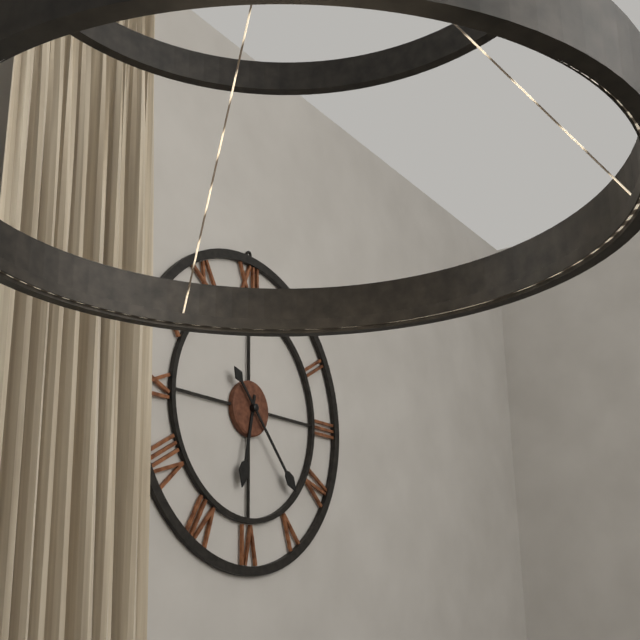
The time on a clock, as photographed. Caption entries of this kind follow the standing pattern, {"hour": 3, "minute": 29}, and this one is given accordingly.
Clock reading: {"hour": 6, "minute": 23}
